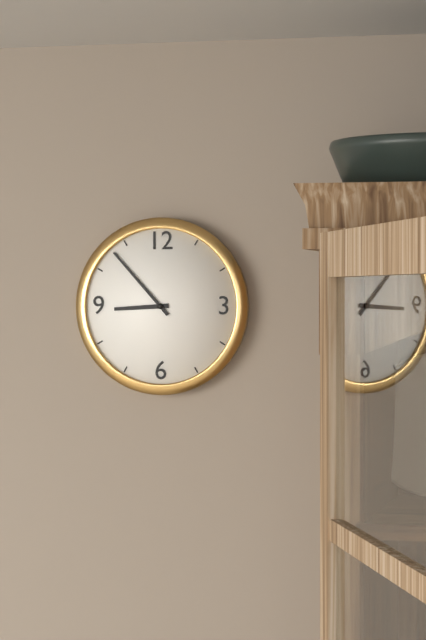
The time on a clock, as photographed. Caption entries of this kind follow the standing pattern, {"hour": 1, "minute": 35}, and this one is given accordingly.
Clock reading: {"hour": 8, "minute": 53}
